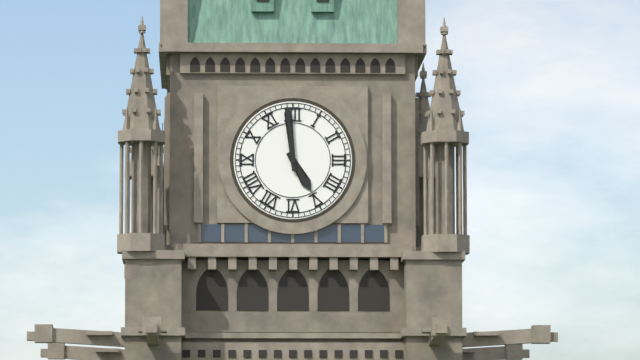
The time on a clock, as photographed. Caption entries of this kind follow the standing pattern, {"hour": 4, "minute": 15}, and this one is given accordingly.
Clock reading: {"hour": 4, "minute": 59}
